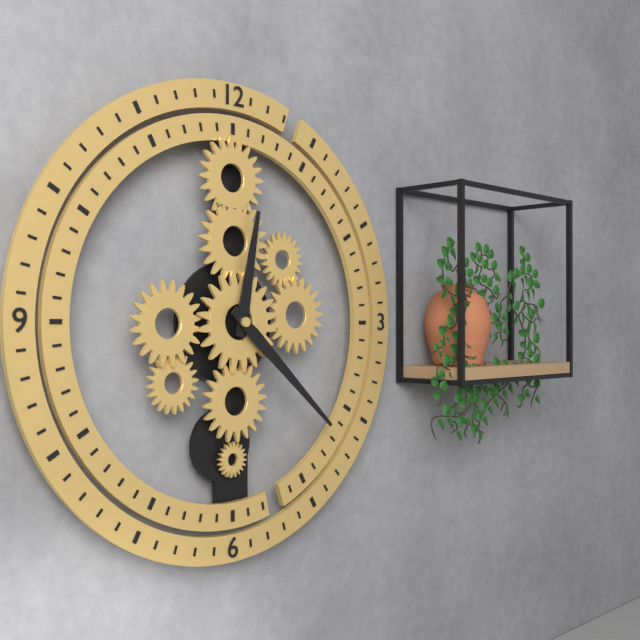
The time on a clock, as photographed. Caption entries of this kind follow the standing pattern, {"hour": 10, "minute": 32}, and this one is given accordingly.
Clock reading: {"hour": 12, "minute": 22}
